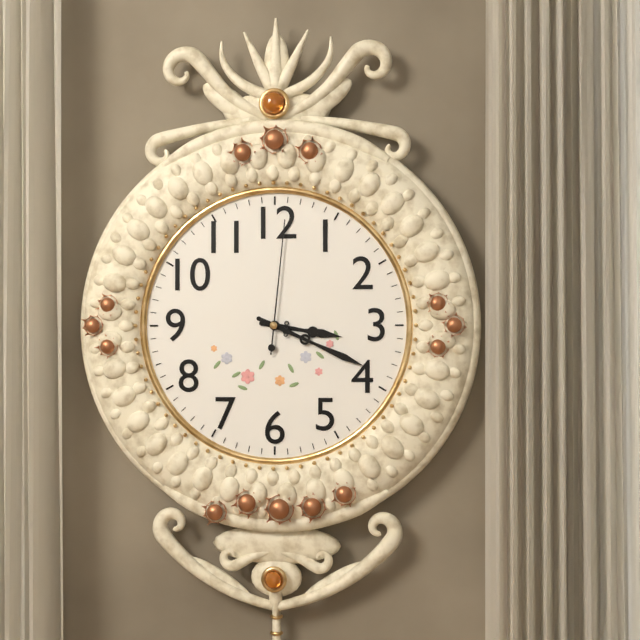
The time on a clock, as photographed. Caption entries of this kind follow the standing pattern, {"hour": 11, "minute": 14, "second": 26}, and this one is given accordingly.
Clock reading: {"hour": 3, "minute": 19, "second": 1}
